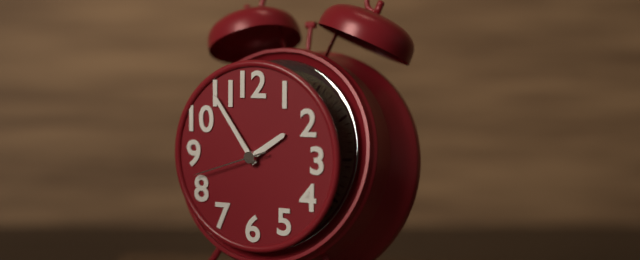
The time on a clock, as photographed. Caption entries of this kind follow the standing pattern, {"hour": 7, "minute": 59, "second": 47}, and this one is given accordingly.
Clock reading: {"hour": 1, "minute": 54, "second": 42}
